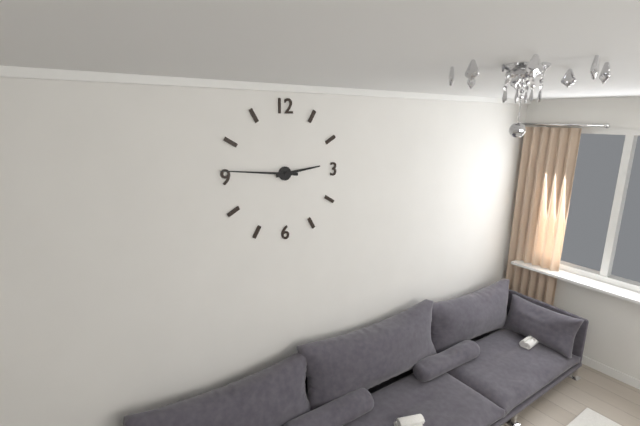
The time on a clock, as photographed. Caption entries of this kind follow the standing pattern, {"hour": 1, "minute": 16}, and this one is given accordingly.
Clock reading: {"hour": 2, "minute": 46}
